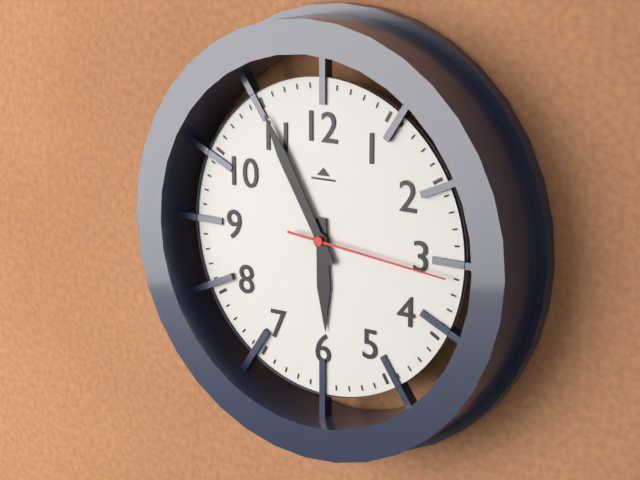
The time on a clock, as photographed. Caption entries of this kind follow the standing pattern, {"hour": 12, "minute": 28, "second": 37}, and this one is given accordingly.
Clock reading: {"hour": 5, "minute": 55, "second": 16}
